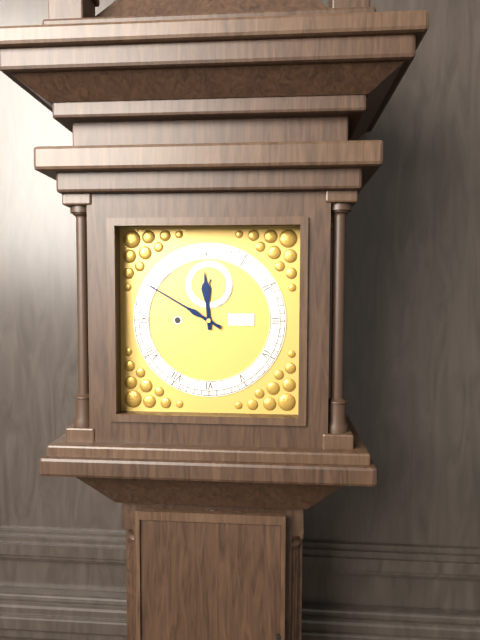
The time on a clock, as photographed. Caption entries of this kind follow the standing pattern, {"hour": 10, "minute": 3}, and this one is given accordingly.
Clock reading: {"hour": 11, "minute": 50}
